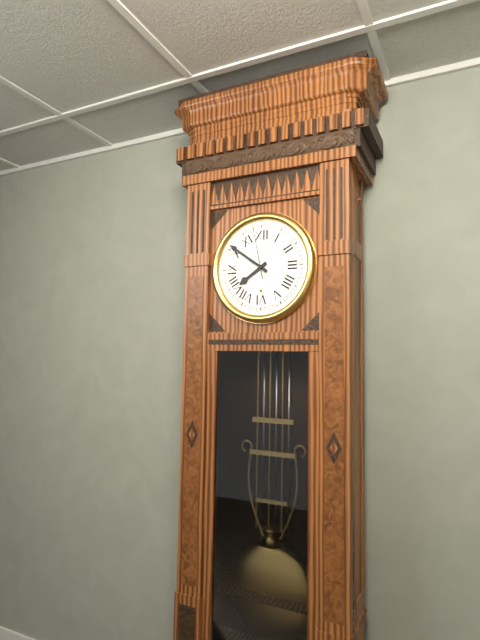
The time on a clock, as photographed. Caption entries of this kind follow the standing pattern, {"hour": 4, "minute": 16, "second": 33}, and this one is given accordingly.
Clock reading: {"hour": 7, "minute": 51, "second": 58}
